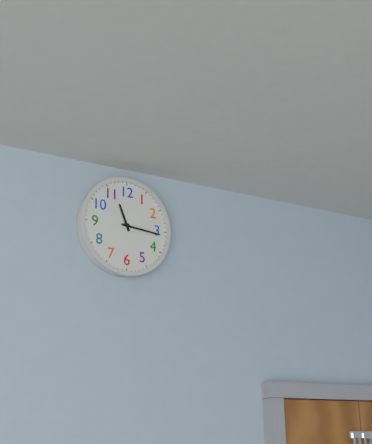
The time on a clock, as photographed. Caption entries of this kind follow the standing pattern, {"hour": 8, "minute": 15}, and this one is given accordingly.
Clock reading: {"hour": 11, "minute": 16}
